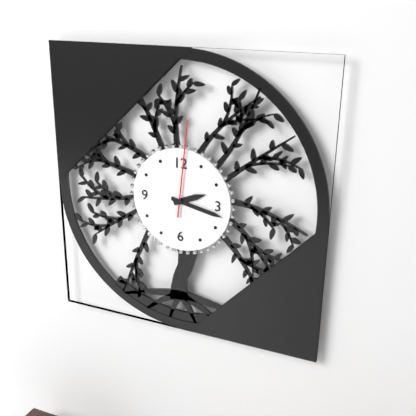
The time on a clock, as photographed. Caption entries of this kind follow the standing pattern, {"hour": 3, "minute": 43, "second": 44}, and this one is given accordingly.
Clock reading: {"hour": 2, "minute": 17, "second": 1}
